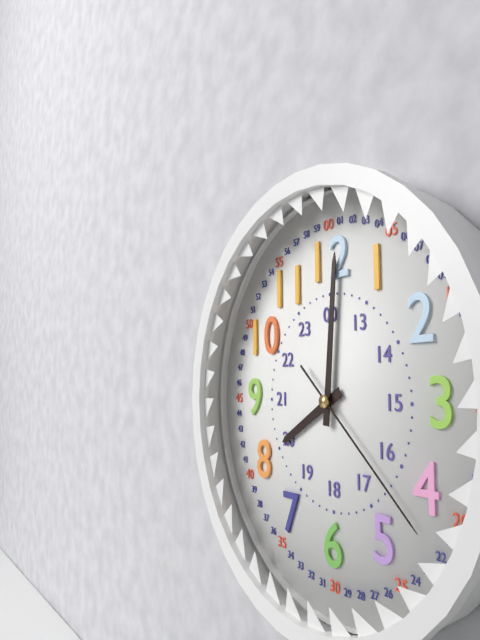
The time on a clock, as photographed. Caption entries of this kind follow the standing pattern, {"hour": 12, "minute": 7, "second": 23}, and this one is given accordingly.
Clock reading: {"hour": 8, "minute": 1, "second": 22}
